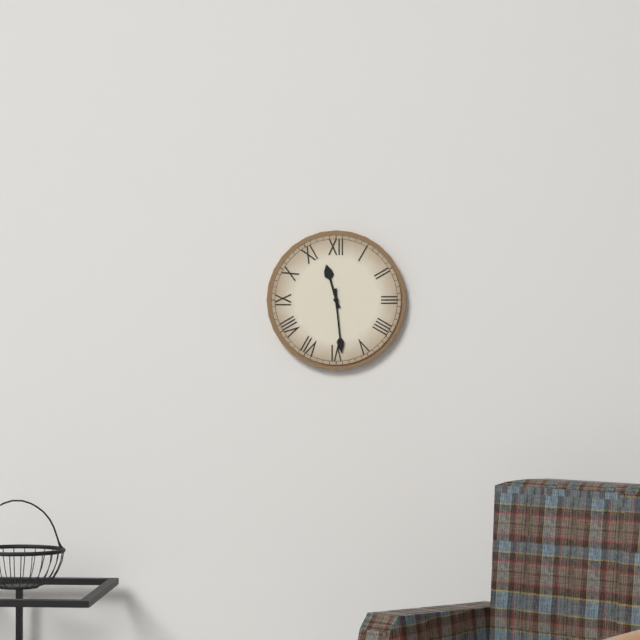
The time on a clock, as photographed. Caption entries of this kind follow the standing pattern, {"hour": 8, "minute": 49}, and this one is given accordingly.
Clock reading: {"hour": 11, "minute": 29}
